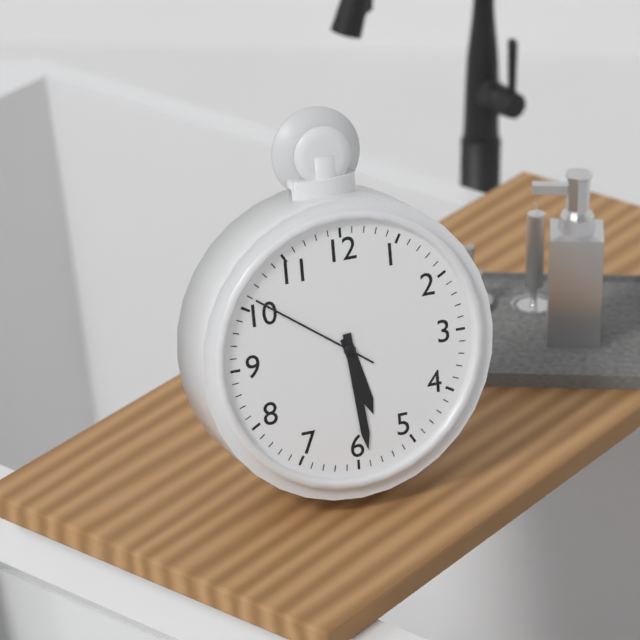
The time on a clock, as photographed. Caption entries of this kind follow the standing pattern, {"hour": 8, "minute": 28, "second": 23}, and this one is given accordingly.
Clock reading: {"hour": 5, "minute": 29, "second": 51}
